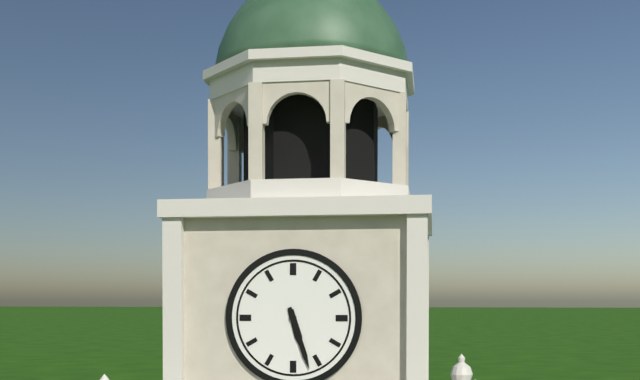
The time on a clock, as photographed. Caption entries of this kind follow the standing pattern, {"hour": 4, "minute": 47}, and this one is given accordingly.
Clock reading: {"hour": 5, "minute": 27}
